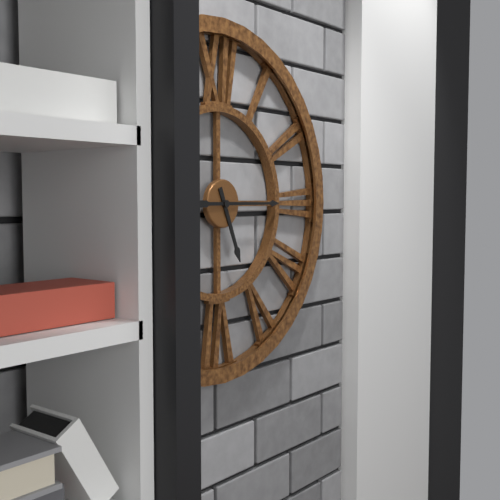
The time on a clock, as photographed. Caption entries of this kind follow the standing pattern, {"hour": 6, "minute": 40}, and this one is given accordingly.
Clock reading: {"hour": 5, "minute": 15}
